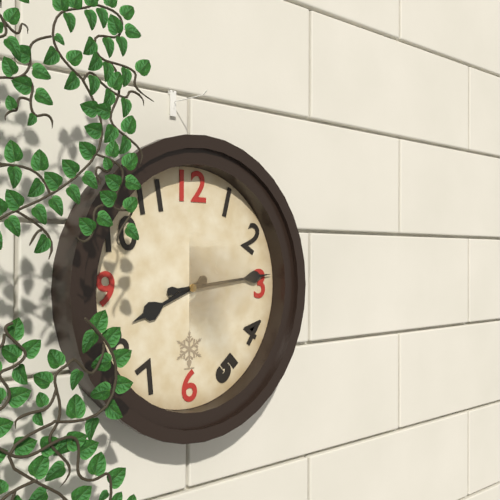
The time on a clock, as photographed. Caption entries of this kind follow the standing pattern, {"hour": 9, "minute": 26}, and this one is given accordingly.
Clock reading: {"hour": 8, "minute": 14}
